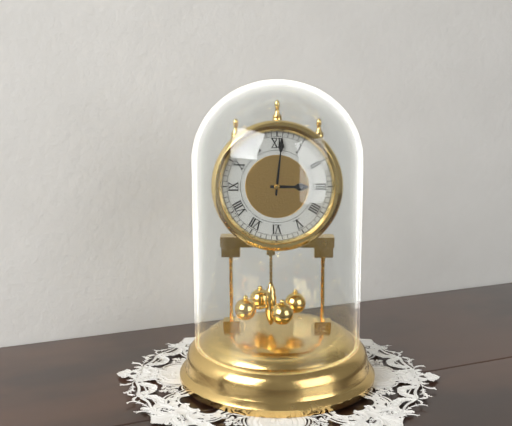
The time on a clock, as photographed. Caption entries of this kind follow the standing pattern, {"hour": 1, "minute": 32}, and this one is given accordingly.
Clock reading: {"hour": 3, "minute": 1}
